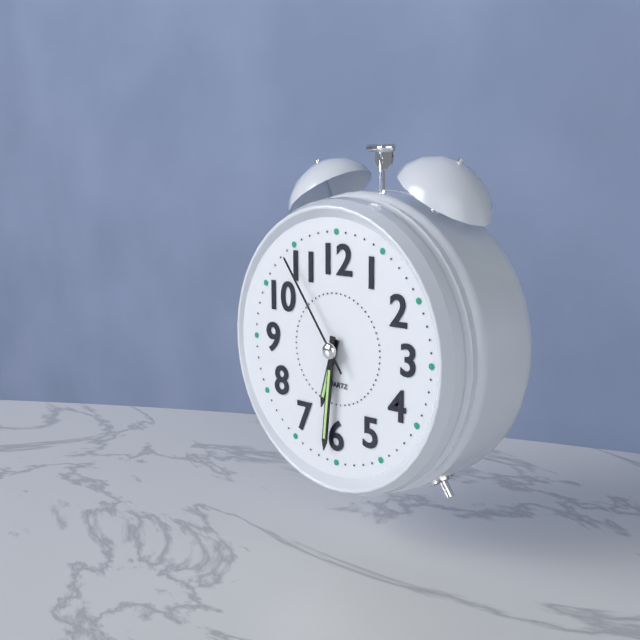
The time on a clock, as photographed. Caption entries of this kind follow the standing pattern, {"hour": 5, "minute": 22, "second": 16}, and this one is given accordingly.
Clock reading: {"hour": 6, "minute": 31, "second": 54}
